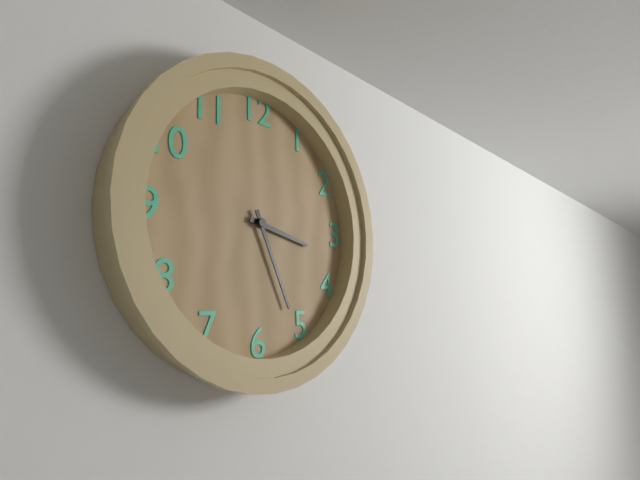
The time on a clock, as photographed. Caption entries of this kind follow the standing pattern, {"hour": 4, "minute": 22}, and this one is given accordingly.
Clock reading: {"hour": 3, "minute": 26}
